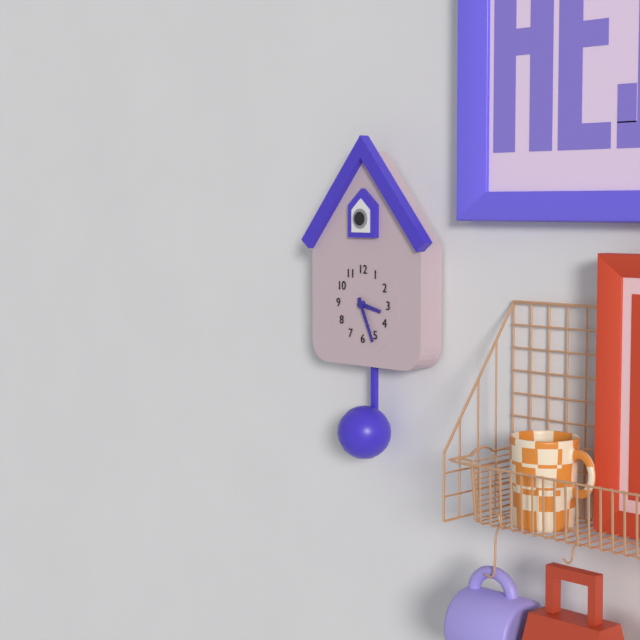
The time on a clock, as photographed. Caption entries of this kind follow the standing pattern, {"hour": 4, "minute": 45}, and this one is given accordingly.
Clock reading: {"hour": 3, "minute": 26}
